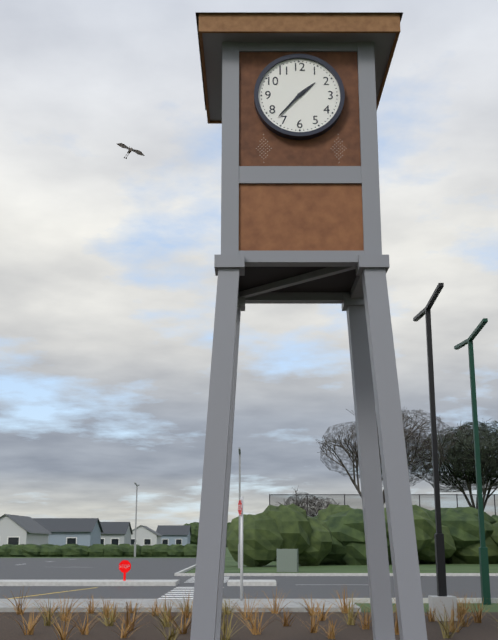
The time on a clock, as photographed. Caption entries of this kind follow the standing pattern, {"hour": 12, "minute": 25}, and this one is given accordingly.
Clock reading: {"hour": 1, "minute": 37}
